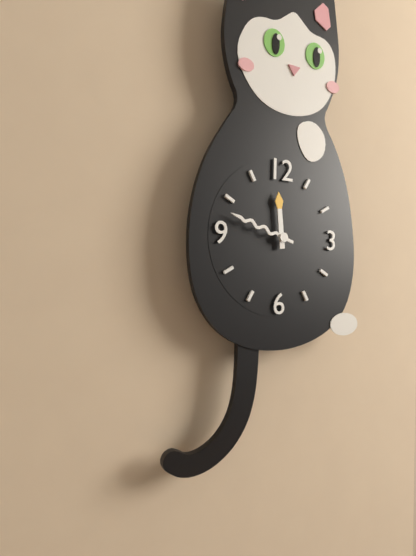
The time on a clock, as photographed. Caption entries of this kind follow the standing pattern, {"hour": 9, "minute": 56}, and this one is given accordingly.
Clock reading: {"hour": 11, "minute": 48}
